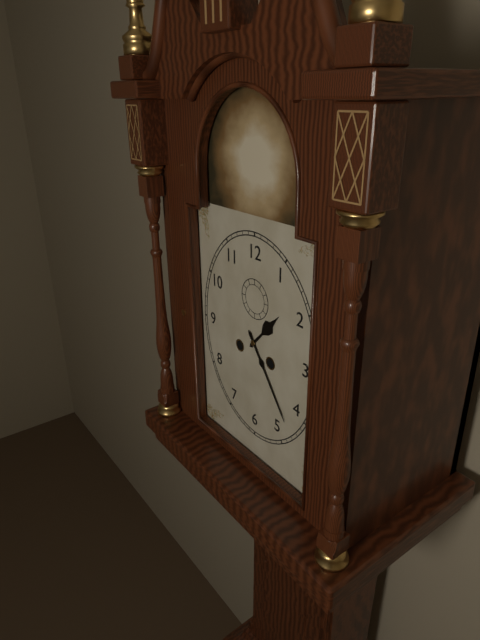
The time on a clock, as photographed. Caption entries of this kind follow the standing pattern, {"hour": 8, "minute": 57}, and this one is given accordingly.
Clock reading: {"hour": 1, "minute": 24}
